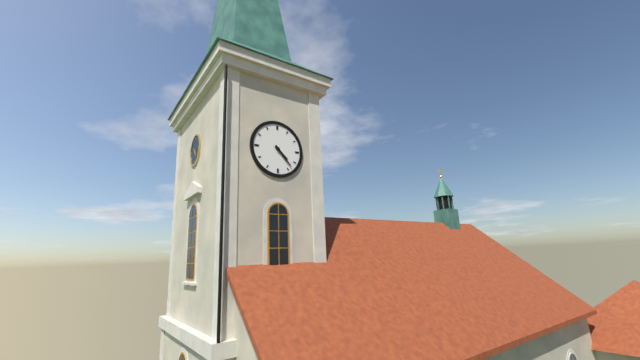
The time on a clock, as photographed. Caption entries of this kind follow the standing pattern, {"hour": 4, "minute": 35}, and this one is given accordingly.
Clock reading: {"hour": 4, "minute": 23}
